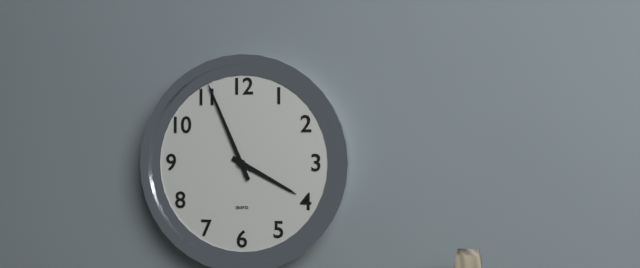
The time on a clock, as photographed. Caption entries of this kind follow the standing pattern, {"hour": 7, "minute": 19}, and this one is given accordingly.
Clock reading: {"hour": 3, "minute": 56}
